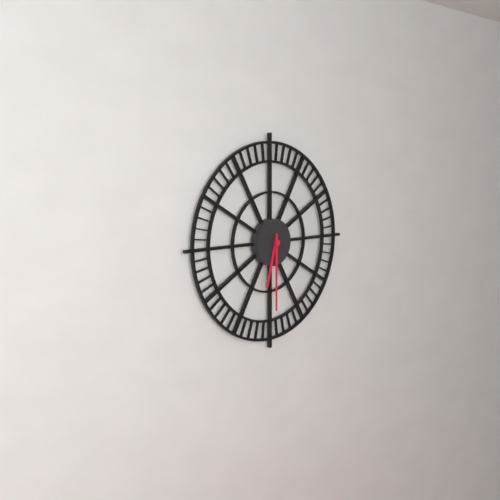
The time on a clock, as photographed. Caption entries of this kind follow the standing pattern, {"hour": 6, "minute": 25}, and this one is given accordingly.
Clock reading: {"hour": 6, "minute": 30}
